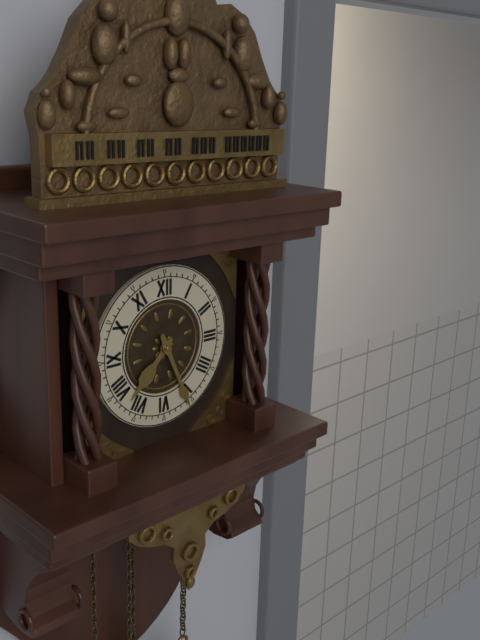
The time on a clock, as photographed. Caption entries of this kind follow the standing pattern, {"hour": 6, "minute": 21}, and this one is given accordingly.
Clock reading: {"hour": 7, "minute": 26}
